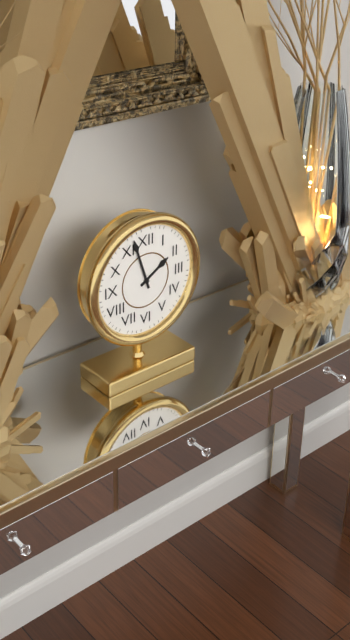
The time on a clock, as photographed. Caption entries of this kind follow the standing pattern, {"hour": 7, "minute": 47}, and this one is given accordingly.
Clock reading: {"hour": 1, "minute": 57}
